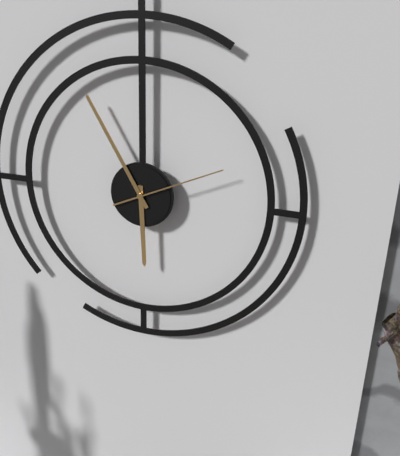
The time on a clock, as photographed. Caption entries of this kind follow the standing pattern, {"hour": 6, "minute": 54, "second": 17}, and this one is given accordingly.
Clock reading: {"hour": 5, "minute": 55, "second": 11}
